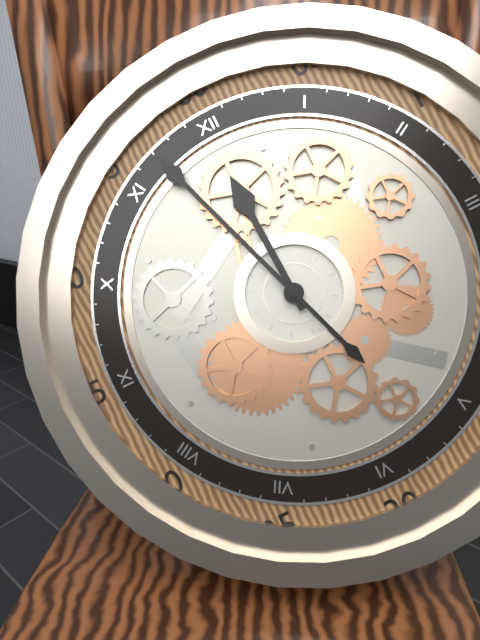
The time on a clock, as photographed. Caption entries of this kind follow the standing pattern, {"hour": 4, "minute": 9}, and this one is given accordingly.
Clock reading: {"hour": 11, "minute": 57}
